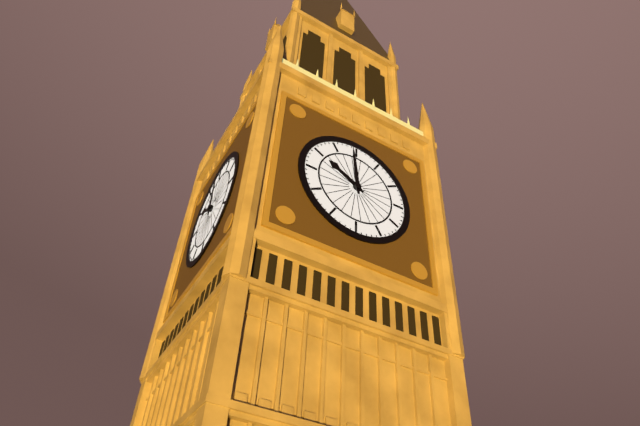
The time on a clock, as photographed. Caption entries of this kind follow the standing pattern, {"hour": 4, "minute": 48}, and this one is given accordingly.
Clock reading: {"hour": 9, "minute": 59}
